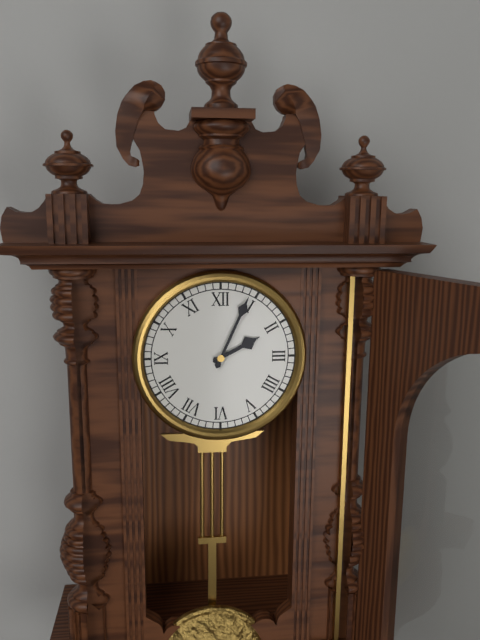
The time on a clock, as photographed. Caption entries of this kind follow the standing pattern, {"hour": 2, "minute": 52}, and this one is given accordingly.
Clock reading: {"hour": 2, "minute": 4}
